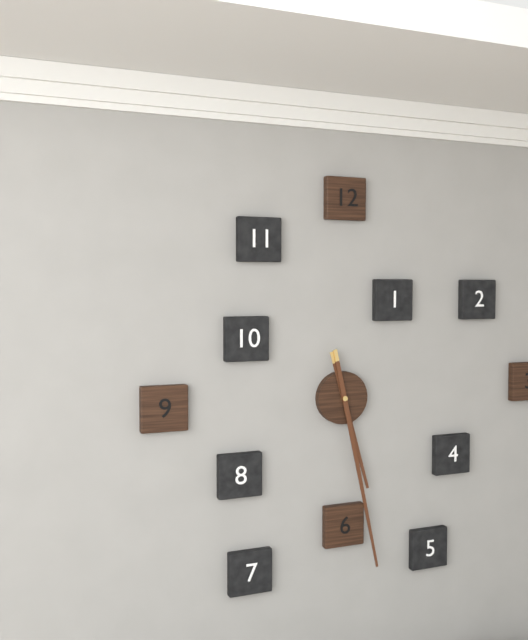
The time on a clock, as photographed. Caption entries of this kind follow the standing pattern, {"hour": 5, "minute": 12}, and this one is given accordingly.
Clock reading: {"hour": 5, "minute": 28}
